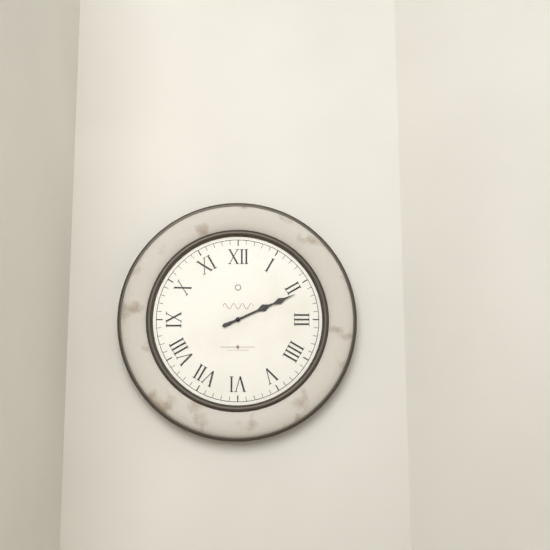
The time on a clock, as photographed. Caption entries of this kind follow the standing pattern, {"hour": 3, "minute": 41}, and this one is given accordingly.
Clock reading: {"hour": 2, "minute": 11}
